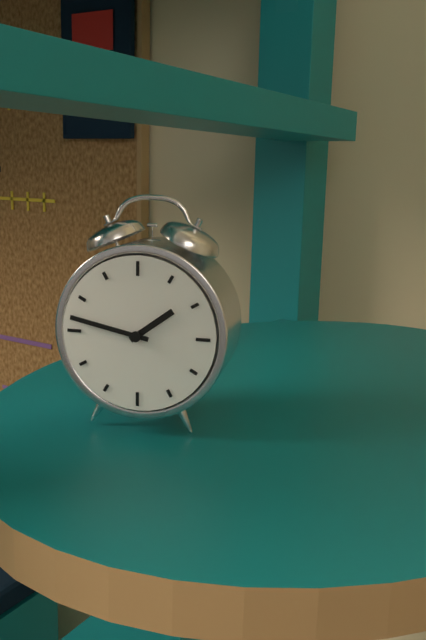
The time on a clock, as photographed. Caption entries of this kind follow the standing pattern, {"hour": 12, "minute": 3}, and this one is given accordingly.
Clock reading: {"hour": 1, "minute": 47}
